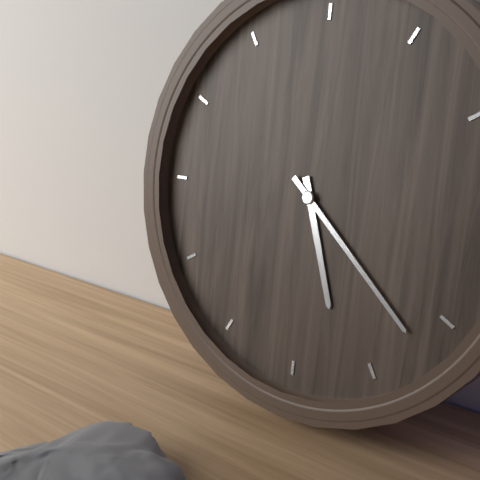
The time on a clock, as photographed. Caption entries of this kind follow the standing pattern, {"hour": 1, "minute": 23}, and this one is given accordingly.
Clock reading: {"hour": 5, "minute": 22}
